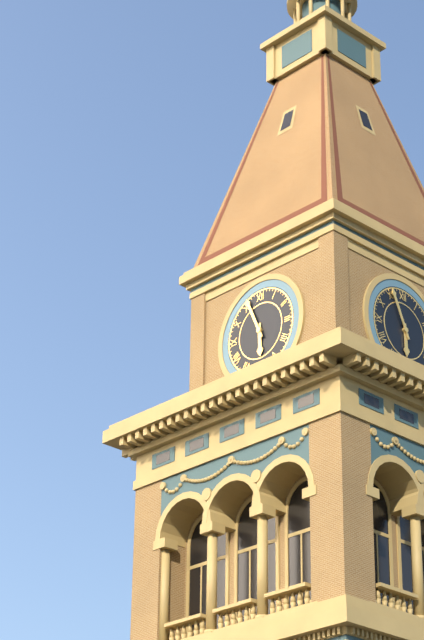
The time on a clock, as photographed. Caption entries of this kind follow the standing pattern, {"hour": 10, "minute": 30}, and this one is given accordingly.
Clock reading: {"hour": 5, "minute": 56}
